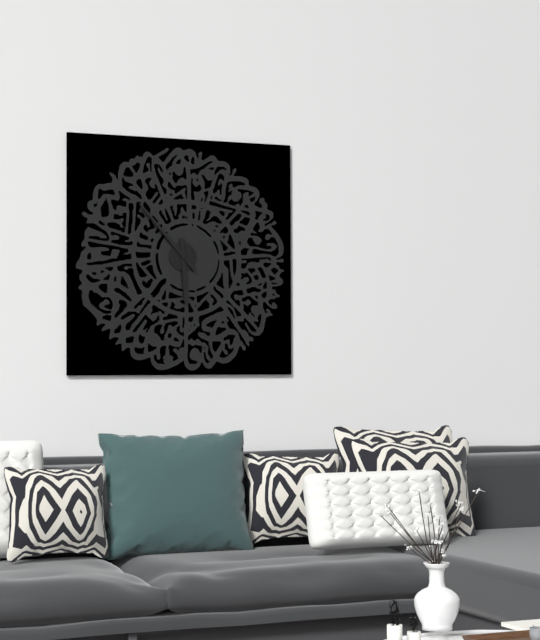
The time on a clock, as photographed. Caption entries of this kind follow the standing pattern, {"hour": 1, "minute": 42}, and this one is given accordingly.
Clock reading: {"hour": 5, "minute": 53}
